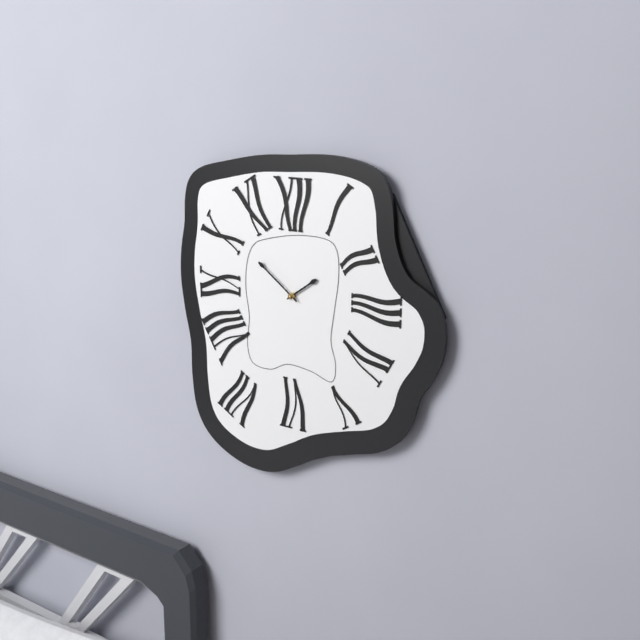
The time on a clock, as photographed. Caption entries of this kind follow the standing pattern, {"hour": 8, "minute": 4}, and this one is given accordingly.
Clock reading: {"hour": 1, "minute": 51}
